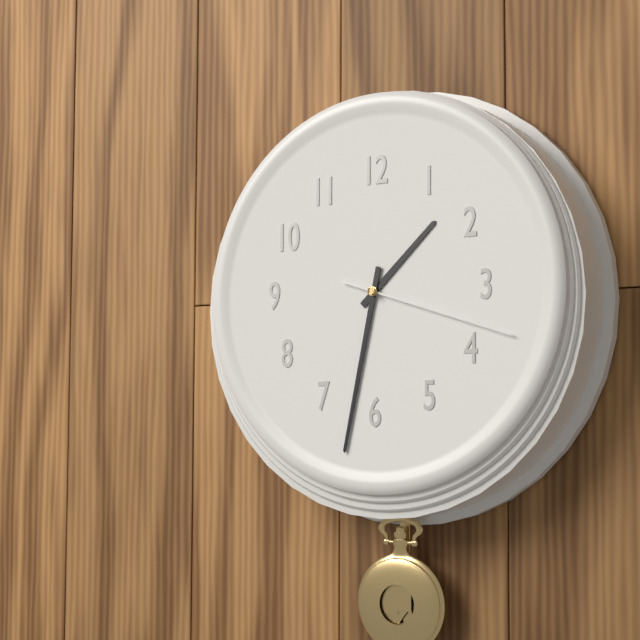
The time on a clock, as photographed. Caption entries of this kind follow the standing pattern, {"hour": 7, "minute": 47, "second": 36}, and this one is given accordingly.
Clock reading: {"hour": 1, "minute": 32, "second": 18}
